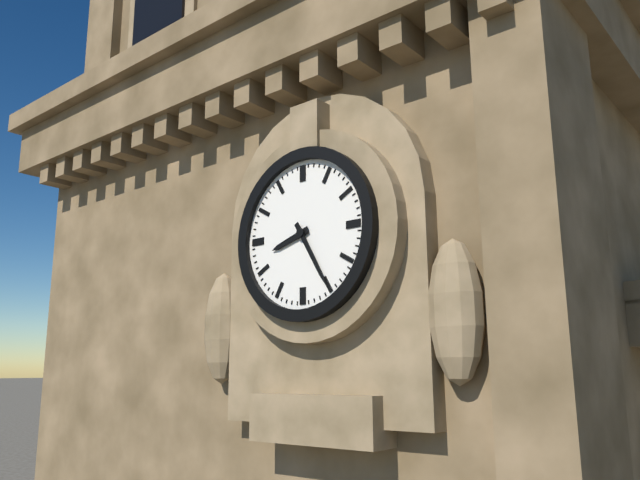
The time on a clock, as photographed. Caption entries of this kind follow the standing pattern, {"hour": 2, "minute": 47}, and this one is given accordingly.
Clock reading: {"hour": 8, "minute": 25}
